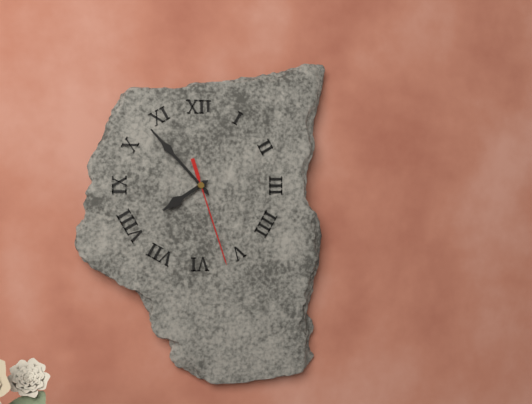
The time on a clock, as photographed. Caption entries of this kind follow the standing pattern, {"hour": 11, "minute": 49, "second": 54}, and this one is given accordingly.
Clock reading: {"hour": 7, "minute": 53, "second": 27}
